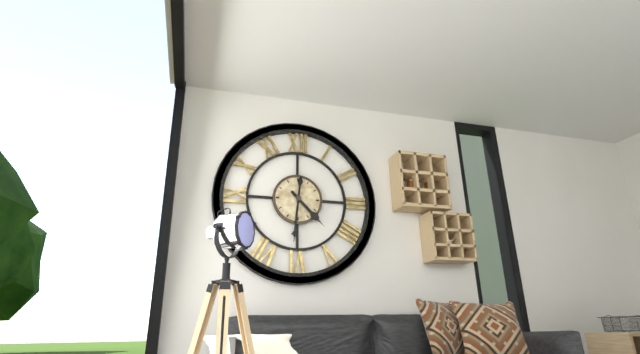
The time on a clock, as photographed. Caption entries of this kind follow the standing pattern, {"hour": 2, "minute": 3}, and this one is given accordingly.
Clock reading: {"hour": 4, "minute": 31}
